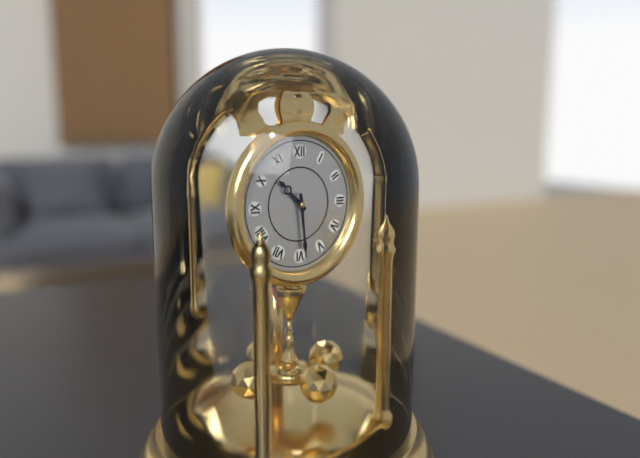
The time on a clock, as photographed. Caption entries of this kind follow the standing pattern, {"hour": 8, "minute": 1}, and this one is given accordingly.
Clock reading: {"hour": 10, "minute": 29}
